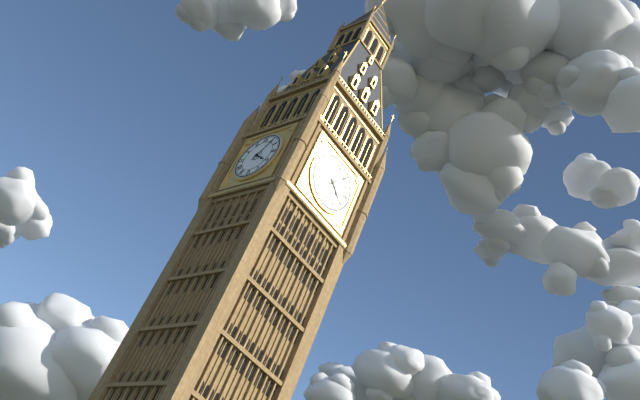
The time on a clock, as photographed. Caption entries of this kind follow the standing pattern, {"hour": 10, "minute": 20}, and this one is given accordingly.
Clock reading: {"hour": 4, "minute": 6}
